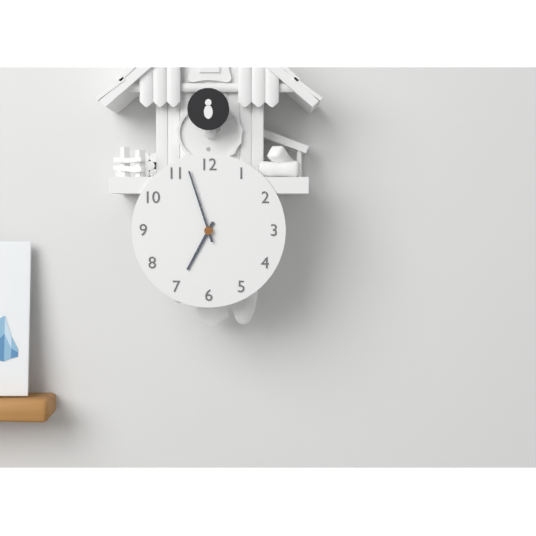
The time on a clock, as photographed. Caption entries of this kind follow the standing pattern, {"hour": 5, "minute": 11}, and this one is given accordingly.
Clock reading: {"hour": 6, "minute": 57}
